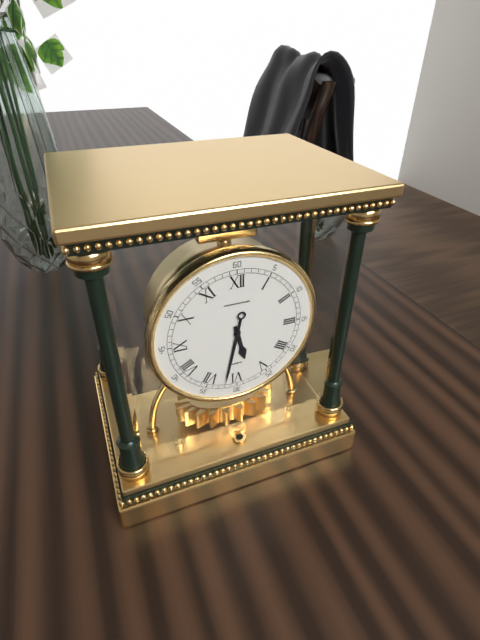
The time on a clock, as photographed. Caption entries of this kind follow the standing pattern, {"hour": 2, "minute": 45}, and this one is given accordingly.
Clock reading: {"hour": 5, "minute": 32}
